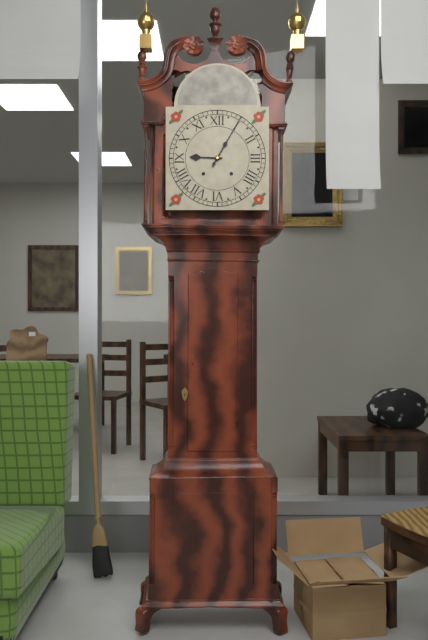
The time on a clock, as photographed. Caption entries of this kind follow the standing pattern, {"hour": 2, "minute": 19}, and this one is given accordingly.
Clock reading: {"hour": 9, "minute": 5}
